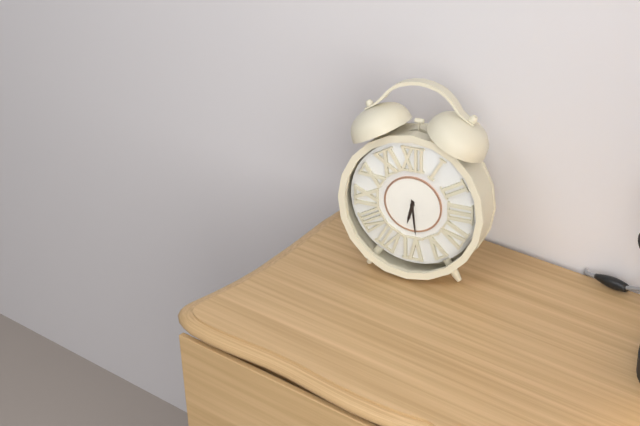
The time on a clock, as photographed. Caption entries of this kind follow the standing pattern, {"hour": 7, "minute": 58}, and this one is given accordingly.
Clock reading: {"hour": 6, "minute": 29}
